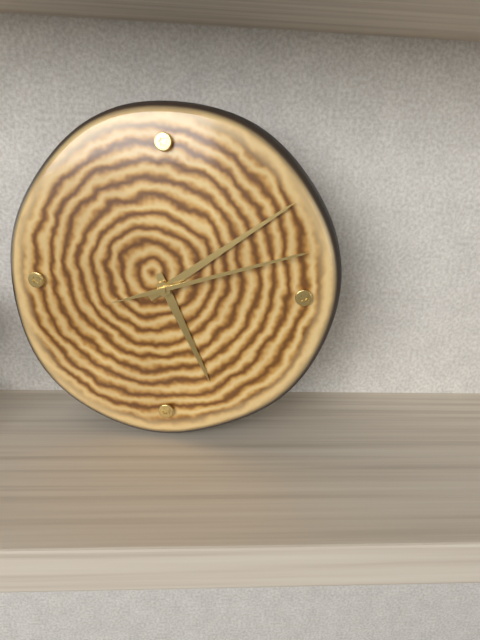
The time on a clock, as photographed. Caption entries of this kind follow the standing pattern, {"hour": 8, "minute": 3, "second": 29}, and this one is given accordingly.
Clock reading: {"hour": 5, "minute": 9, "second": 12}
